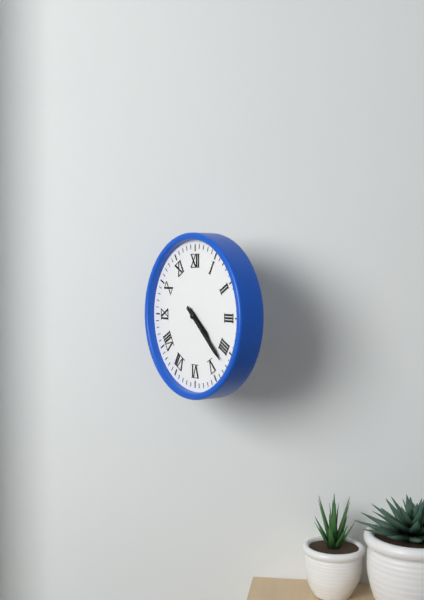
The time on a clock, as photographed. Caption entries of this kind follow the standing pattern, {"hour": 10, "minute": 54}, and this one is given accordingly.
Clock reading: {"hour": 4, "minute": 22}
